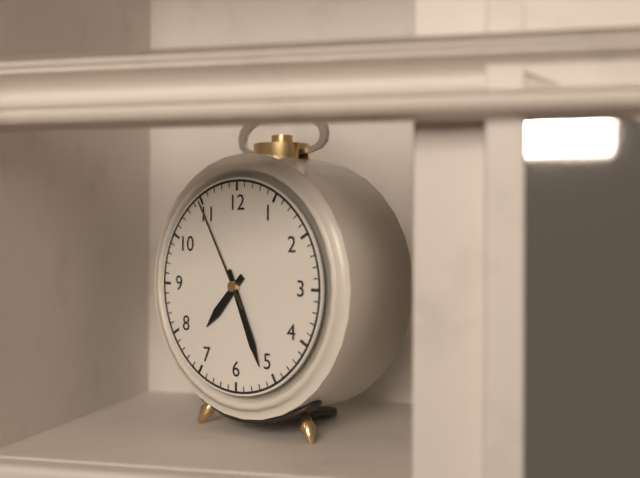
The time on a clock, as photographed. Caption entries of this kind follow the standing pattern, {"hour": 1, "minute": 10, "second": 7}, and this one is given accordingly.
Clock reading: {"hour": 7, "minute": 26, "second": 55}
